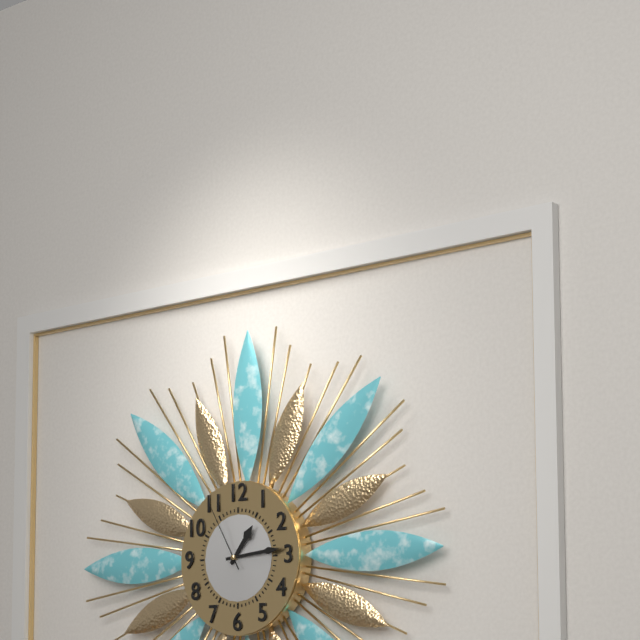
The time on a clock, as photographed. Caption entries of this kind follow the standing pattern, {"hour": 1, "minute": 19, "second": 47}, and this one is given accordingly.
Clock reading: {"hour": 1, "minute": 14, "second": 55}
